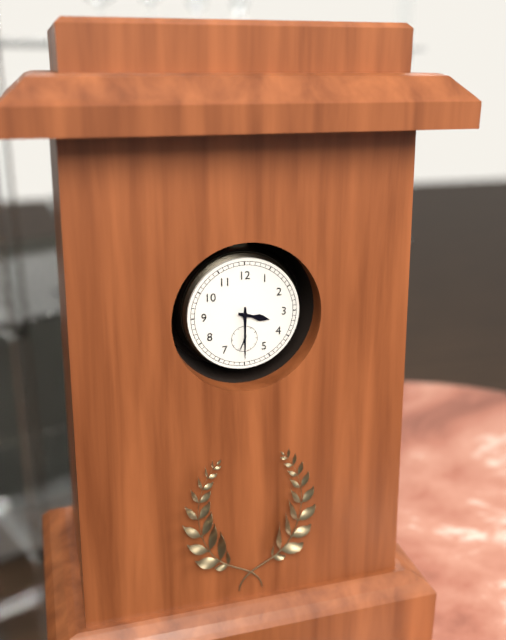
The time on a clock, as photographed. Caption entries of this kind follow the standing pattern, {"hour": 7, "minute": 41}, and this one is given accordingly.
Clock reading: {"hour": 3, "minute": 30}
